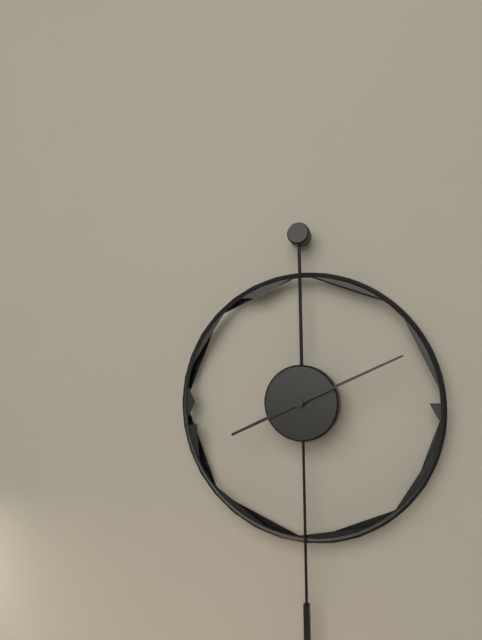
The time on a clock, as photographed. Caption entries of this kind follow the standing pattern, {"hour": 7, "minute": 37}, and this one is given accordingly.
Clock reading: {"hour": 8, "minute": 11}
